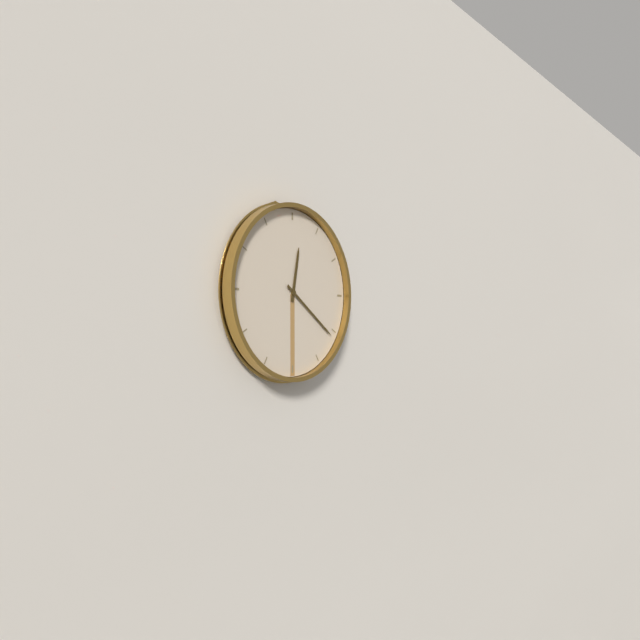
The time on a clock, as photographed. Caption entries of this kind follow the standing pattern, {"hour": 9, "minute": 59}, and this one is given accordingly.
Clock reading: {"hour": 12, "minute": 21}
